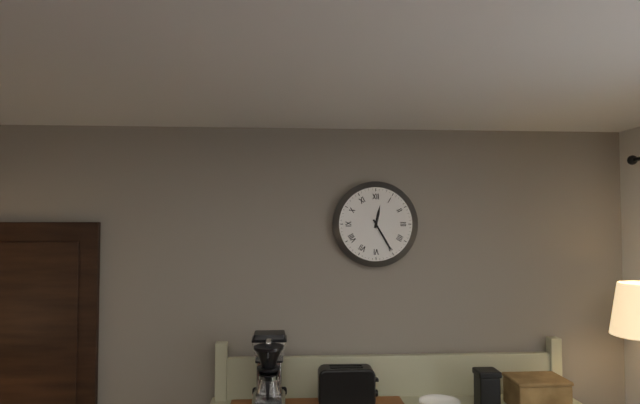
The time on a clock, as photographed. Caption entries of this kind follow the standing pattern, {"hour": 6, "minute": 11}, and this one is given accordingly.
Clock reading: {"hour": 12, "minute": 25}
